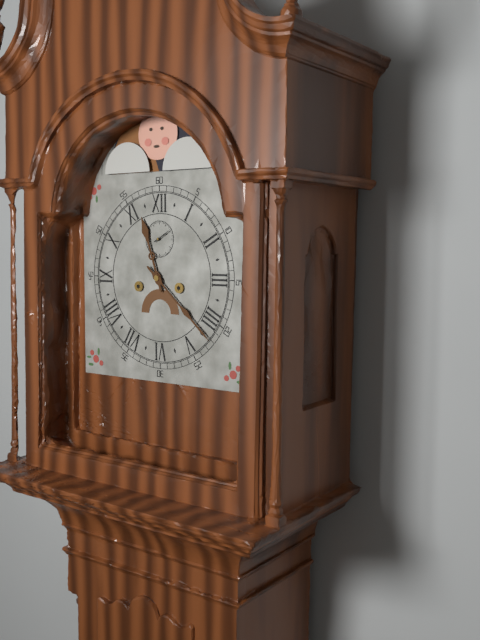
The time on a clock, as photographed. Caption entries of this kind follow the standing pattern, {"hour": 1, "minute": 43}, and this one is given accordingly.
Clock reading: {"hour": 11, "minute": 22}
